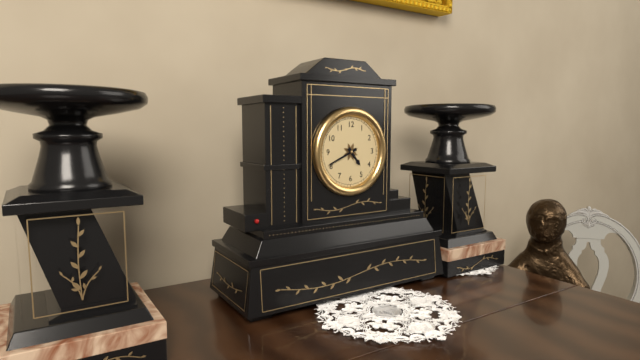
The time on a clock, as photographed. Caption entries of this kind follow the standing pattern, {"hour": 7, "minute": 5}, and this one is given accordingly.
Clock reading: {"hour": 4, "minute": 41}
